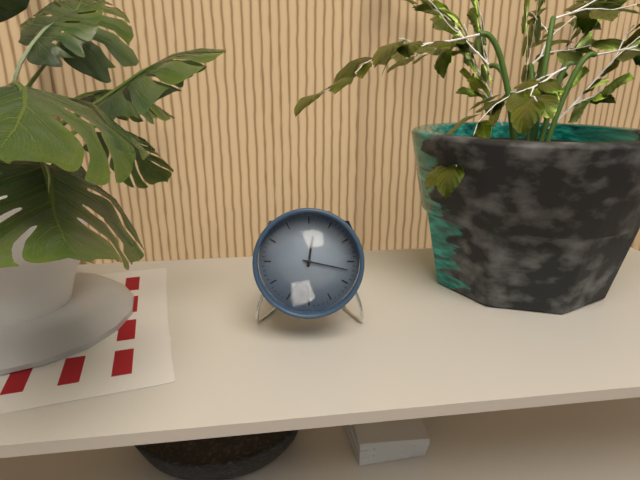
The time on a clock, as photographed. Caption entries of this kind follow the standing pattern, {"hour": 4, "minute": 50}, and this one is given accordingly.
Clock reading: {"hour": 12, "minute": 17}
